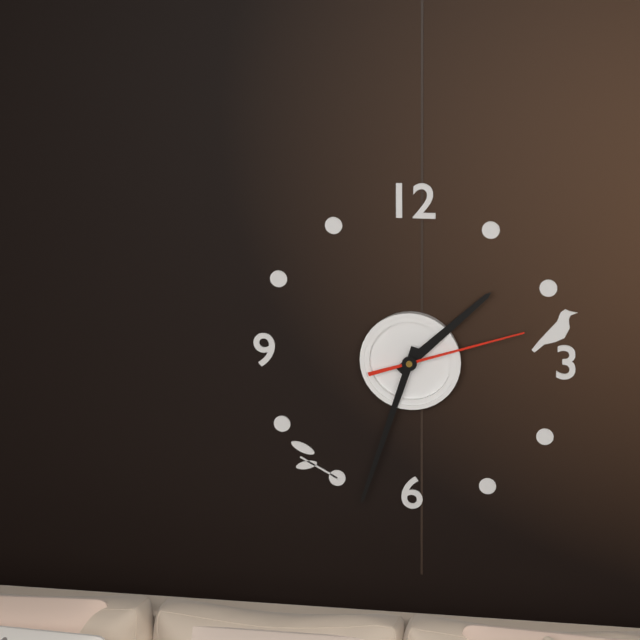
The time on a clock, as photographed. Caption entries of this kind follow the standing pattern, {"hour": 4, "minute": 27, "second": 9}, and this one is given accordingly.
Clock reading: {"hour": 1, "minute": 33, "second": 12}
